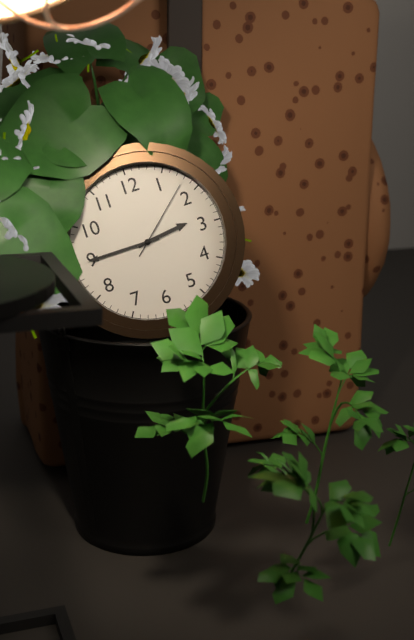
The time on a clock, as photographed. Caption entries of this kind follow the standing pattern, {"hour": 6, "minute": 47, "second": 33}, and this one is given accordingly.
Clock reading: {"hour": 2, "minute": 45, "second": 8}
